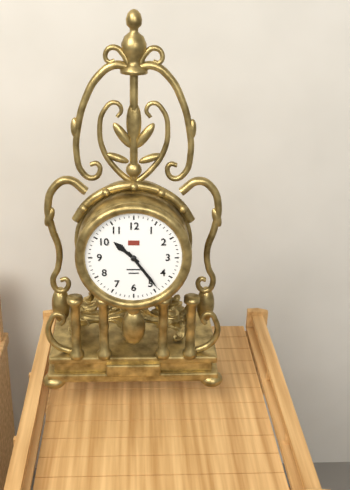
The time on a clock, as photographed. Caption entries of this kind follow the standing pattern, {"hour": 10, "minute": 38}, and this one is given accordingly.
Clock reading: {"hour": 10, "minute": 24}
